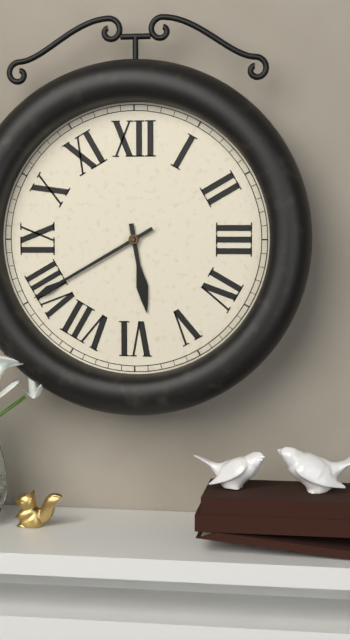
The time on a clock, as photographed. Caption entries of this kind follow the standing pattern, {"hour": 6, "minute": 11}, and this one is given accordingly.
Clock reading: {"hour": 5, "minute": 40}
